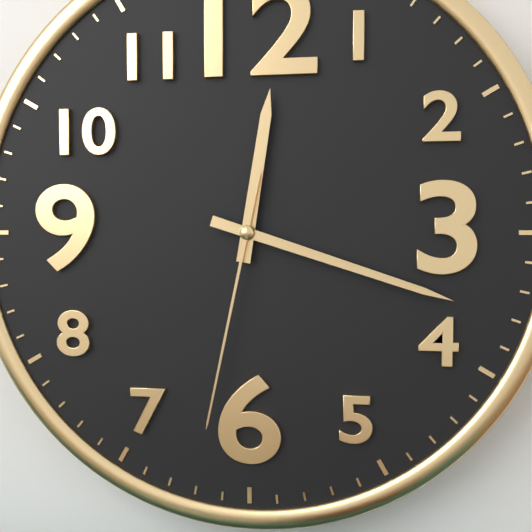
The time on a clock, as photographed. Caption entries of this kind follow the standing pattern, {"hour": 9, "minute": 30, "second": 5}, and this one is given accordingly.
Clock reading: {"hour": 12, "minute": 18, "second": 32}
